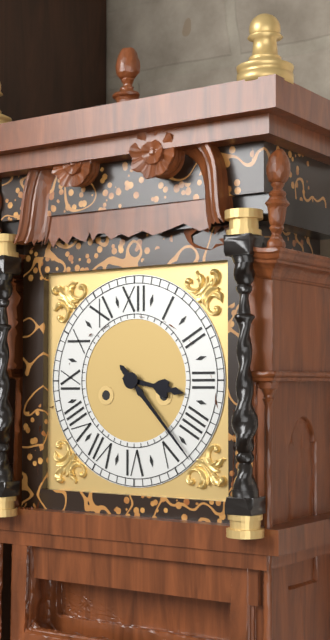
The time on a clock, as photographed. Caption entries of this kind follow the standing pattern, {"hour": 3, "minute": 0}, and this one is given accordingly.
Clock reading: {"hour": 3, "minute": 23}
